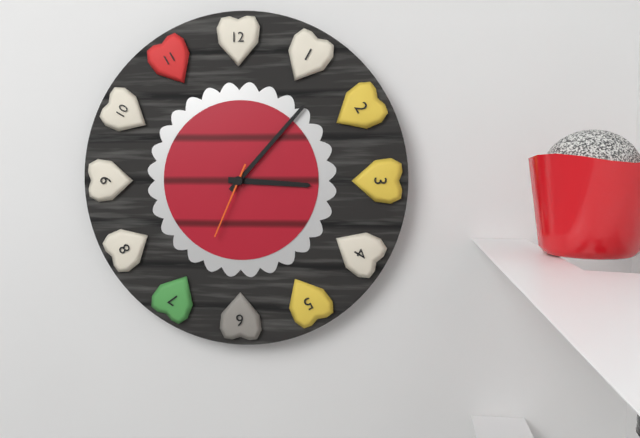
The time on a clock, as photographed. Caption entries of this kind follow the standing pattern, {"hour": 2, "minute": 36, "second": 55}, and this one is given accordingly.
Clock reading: {"hour": 3, "minute": 7, "second": 34}
